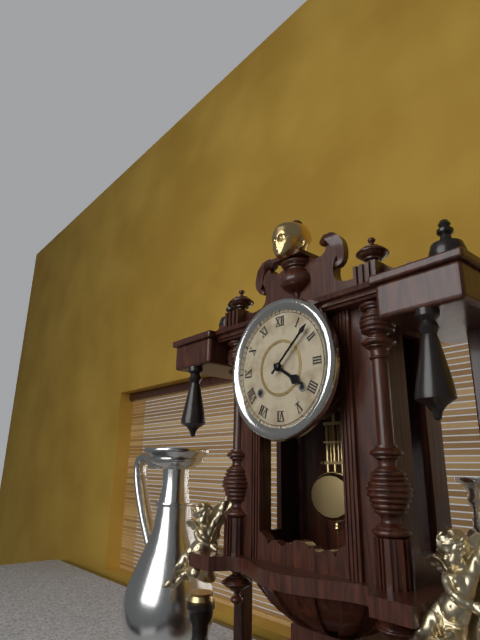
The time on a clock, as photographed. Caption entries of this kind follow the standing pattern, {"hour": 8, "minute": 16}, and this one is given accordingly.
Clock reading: {"hour": 4, "minute": 8}
